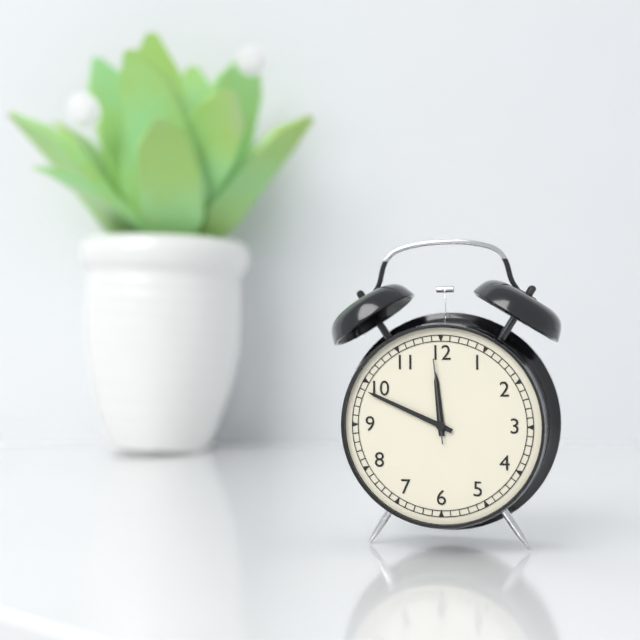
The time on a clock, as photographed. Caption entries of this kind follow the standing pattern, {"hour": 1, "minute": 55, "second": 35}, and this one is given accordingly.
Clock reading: {"hour": 11, "minute": 49, "second": 59}
